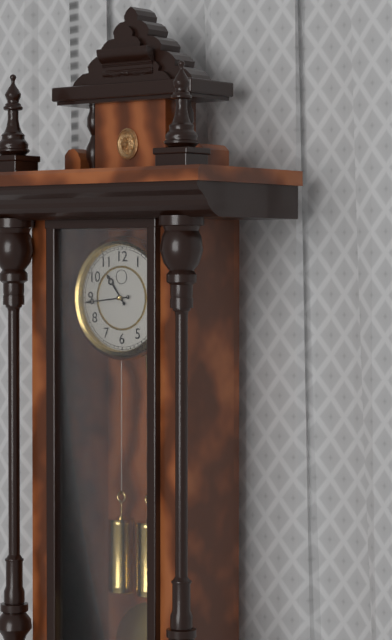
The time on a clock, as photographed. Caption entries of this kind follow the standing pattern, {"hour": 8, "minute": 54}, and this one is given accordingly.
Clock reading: {"hour": 10, "minute": 44}
